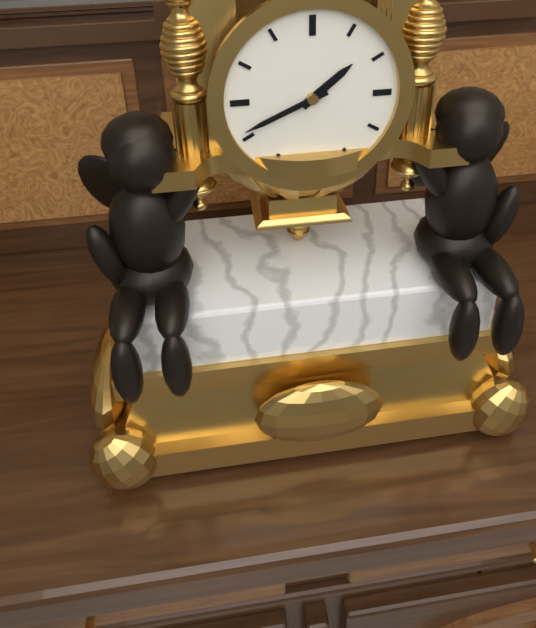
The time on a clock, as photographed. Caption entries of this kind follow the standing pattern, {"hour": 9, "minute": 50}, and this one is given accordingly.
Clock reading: {"hour": 1, "minute": 41}
